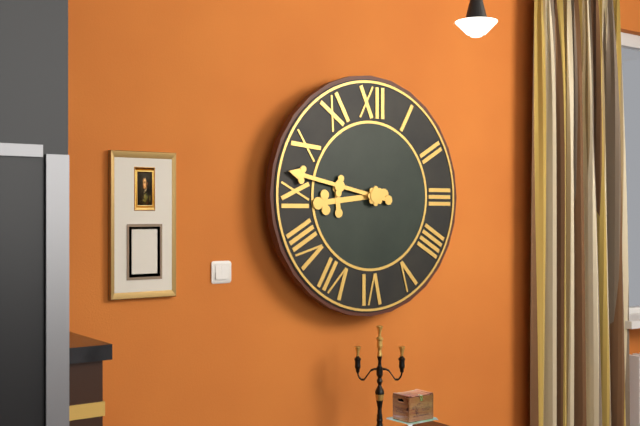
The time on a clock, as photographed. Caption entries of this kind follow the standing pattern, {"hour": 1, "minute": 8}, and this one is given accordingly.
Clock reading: {"hour": 8, "minute": 47}
